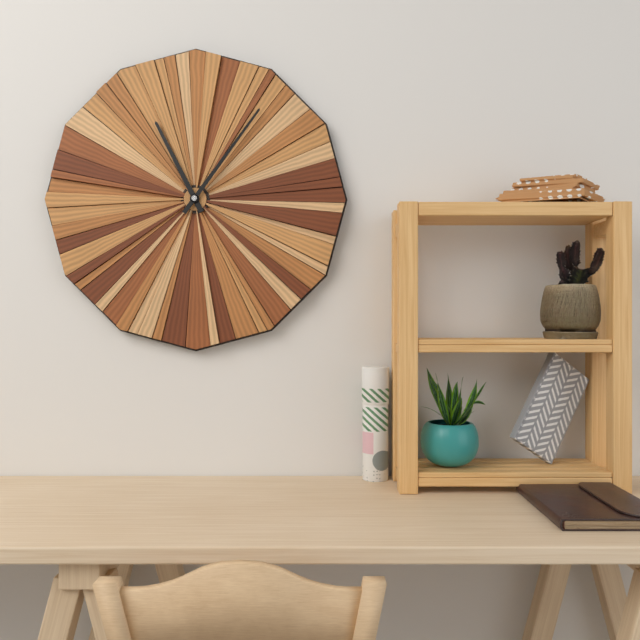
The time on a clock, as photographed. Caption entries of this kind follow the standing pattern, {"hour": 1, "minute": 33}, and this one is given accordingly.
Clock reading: {"hour": 11, "minute": 6}
